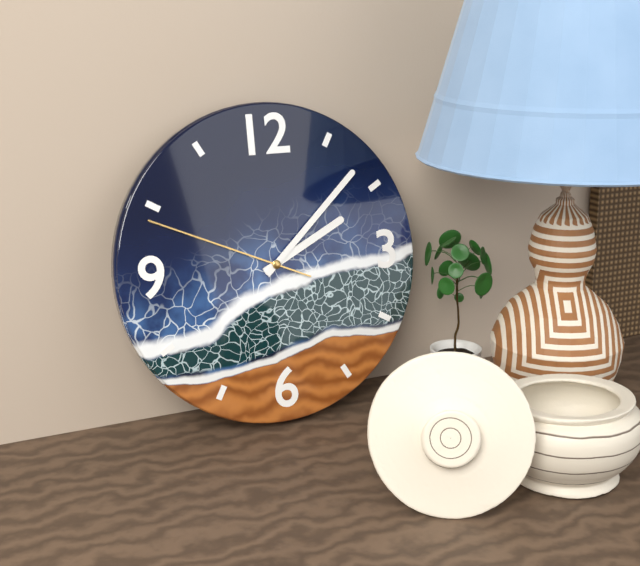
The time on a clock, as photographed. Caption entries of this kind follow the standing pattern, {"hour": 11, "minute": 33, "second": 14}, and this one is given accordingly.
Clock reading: {"hour": 2, "minute": 8, "second": 49}
